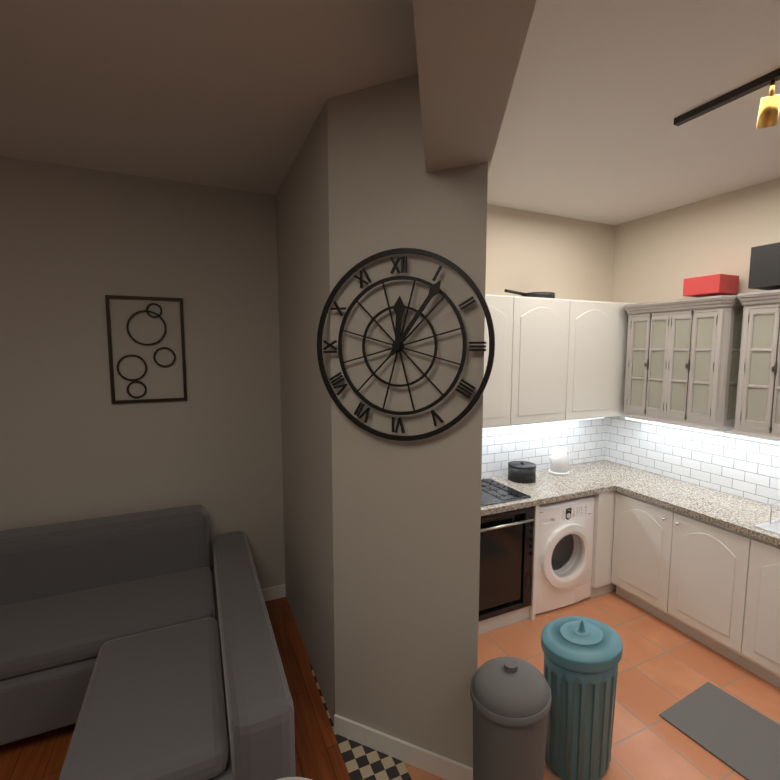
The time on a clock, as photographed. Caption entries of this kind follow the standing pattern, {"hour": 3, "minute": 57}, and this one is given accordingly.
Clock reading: {"hour": 12, "minute": 6}
